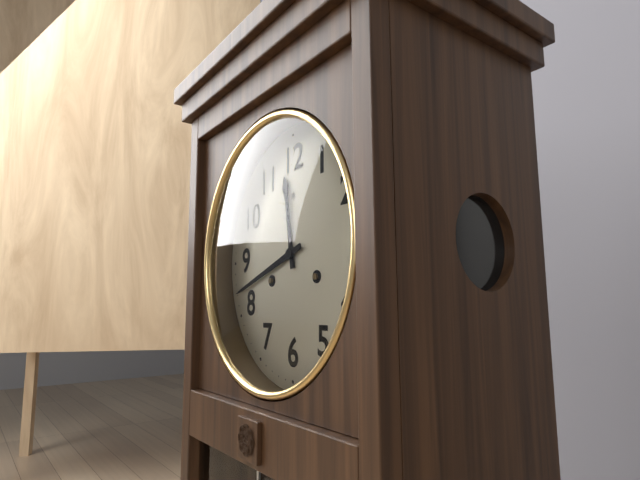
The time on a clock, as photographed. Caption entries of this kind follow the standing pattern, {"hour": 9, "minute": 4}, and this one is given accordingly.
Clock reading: {"hour": 11, "minute": 42}
